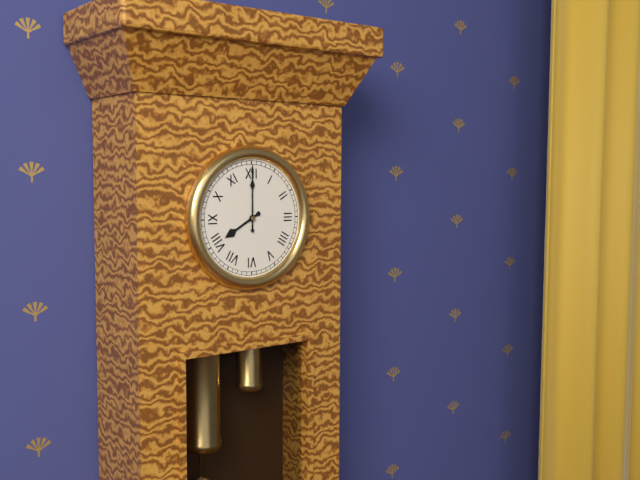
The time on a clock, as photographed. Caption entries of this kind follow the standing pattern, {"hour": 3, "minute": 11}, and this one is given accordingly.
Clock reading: {"hour": 8, "minute": 0}
